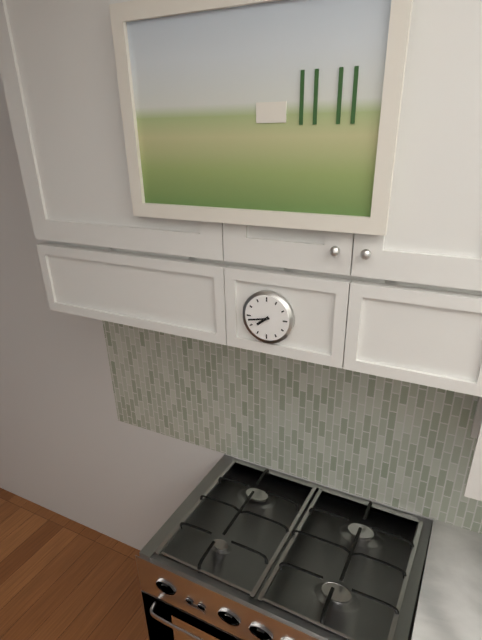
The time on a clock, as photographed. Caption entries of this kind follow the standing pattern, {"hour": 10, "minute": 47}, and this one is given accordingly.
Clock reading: {"hour": 7, "minute": 43}
